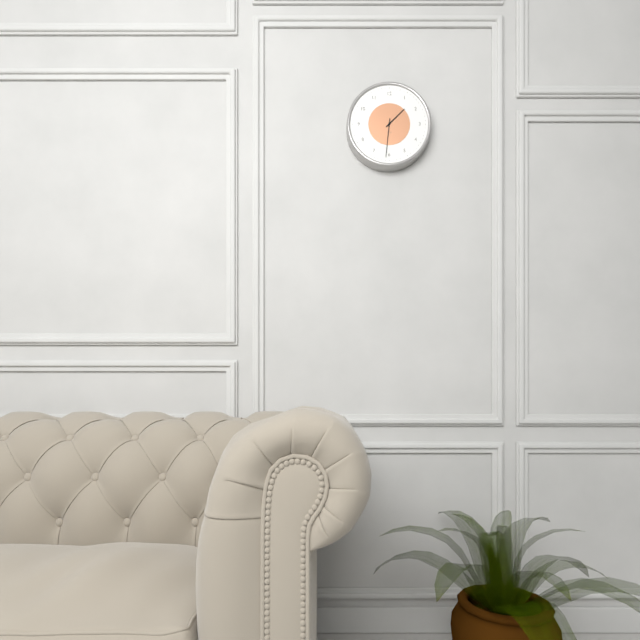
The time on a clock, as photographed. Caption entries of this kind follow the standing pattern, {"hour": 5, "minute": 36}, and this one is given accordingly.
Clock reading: {"hour": 1, "minute": 31}
